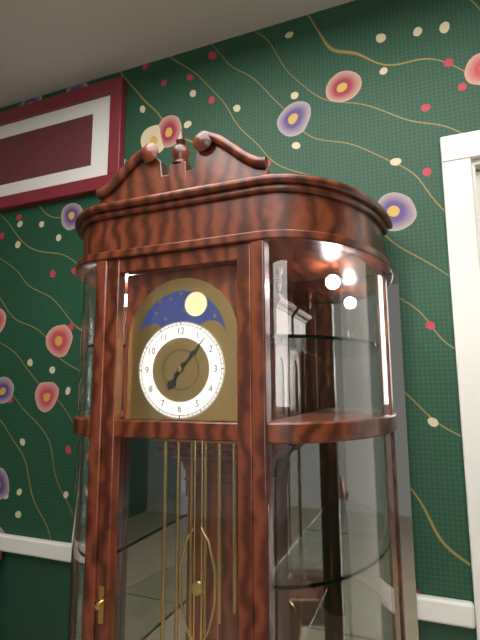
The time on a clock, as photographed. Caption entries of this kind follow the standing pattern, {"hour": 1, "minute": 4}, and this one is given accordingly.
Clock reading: {"hour": 7, "minute": 7}
